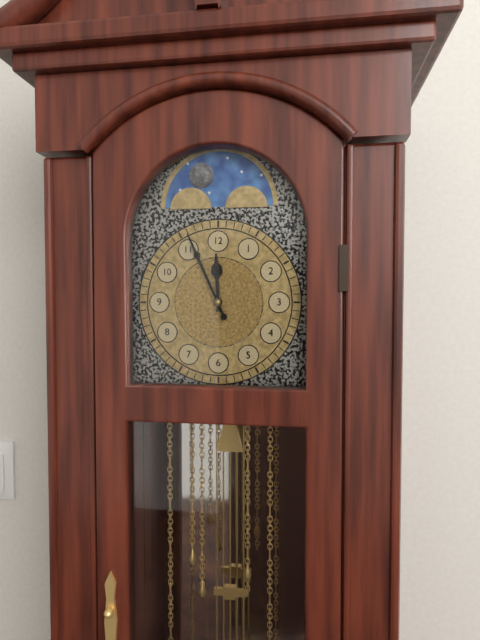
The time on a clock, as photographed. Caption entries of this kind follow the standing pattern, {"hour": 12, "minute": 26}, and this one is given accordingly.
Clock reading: {"hour": 11, "minute": 56}
